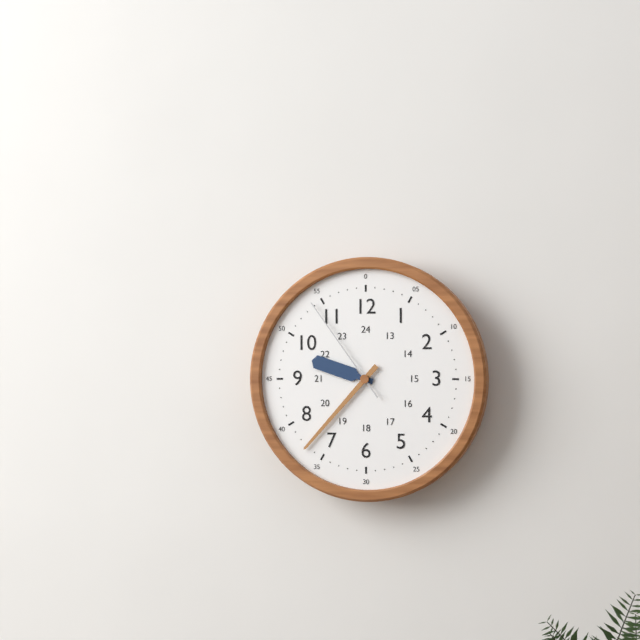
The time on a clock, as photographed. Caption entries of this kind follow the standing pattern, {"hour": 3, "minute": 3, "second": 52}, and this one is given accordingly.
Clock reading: {"hour": 9, "minute": 37, "second": 54}
